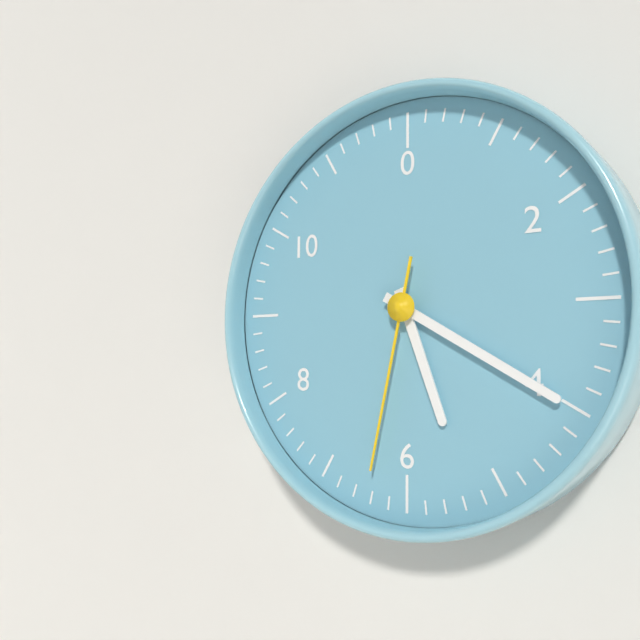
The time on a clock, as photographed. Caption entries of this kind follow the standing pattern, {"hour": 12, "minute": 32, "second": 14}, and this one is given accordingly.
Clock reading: {"hour": 5, "minute": 20, "second": 32}
